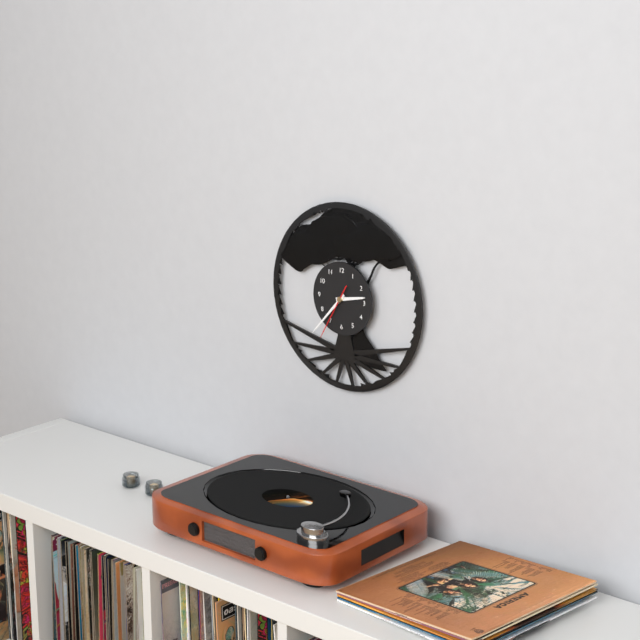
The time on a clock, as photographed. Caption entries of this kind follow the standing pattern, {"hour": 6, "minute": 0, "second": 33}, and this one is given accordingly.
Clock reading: {"hour": 2, "minute": 37, "second": 35}
